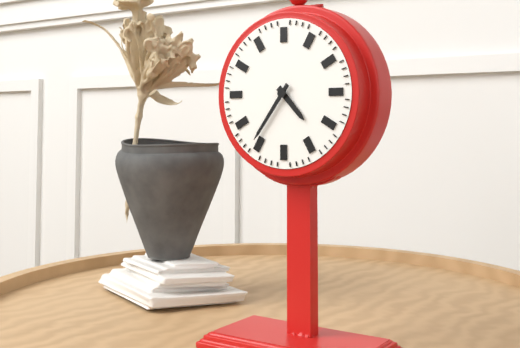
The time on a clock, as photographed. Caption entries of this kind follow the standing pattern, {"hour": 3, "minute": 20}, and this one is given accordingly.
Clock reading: {"hour": 4, "minute": 36}
